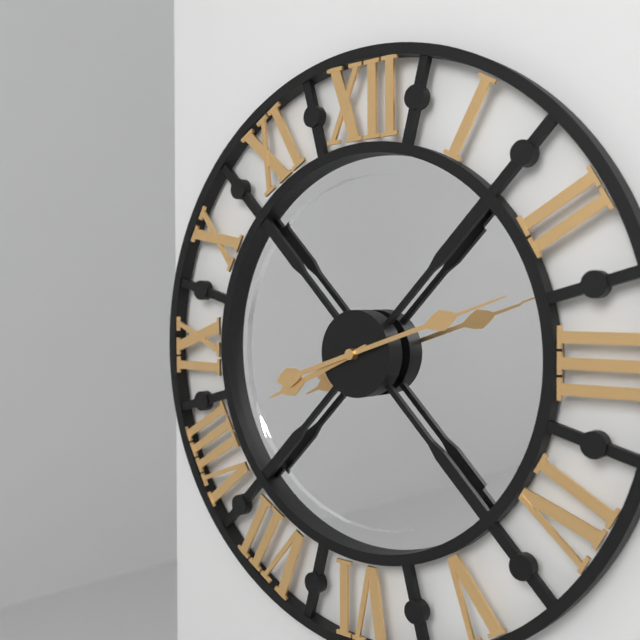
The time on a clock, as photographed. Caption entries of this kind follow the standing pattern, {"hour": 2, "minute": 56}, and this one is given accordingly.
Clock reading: {"hour": 8, "minute": 12}
